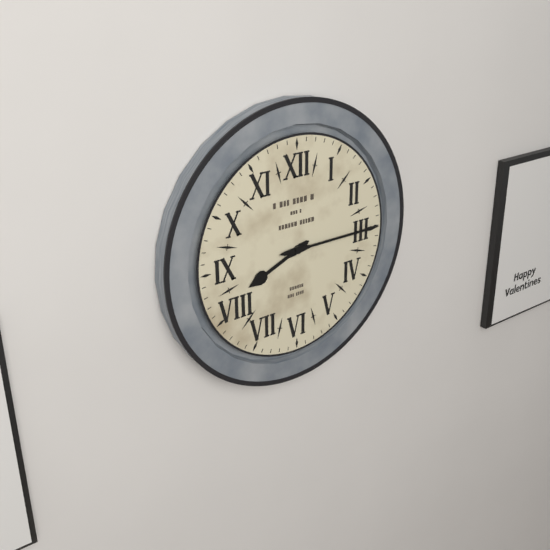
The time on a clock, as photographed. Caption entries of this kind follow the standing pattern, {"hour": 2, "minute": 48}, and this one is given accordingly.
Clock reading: {"hour": 8, "minute": 15}
